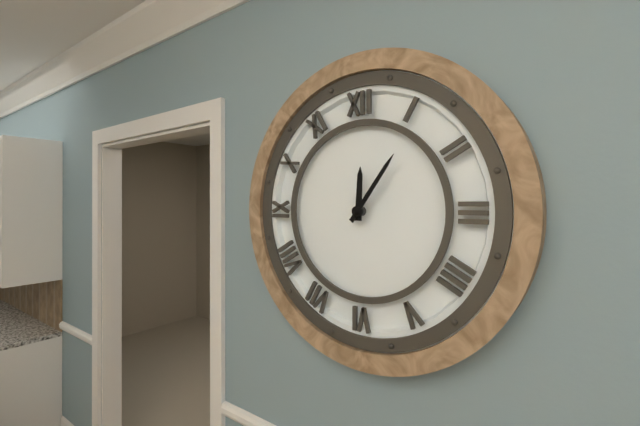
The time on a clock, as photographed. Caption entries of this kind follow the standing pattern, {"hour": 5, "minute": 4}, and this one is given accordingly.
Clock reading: {"hour": 12, "minute": 6}
